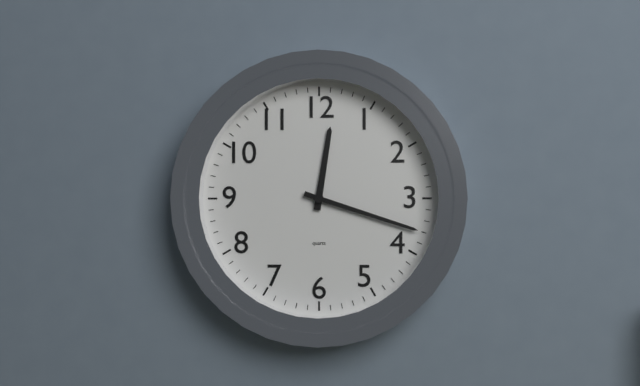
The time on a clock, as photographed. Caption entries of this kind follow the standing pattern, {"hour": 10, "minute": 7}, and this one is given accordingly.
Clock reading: {"hour": 12, "minute": 18}
